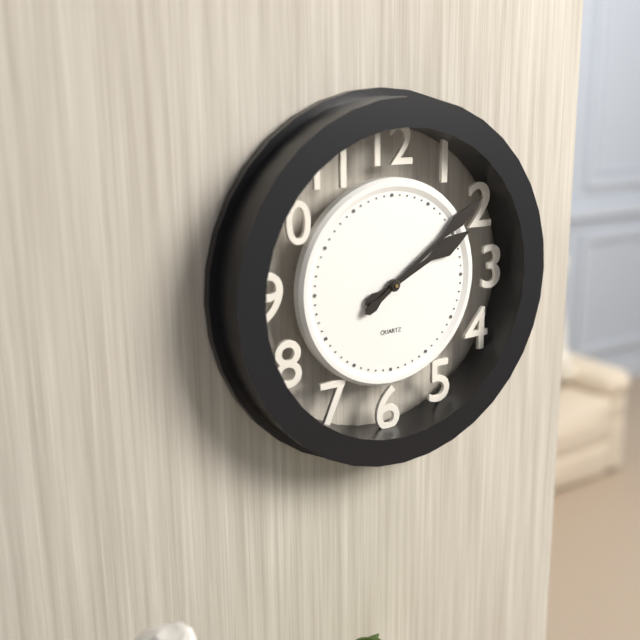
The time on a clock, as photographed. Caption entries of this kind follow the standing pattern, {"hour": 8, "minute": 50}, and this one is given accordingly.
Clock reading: {"hour": 2, "minute": 9}
